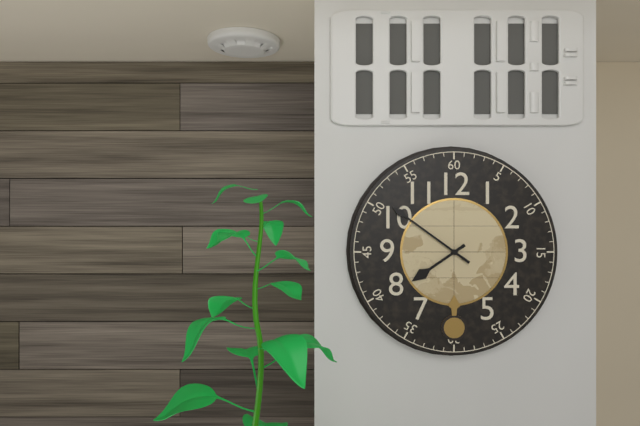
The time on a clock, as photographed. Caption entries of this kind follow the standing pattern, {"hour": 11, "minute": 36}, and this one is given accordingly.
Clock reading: {"hour": 7, "minute": 51}
